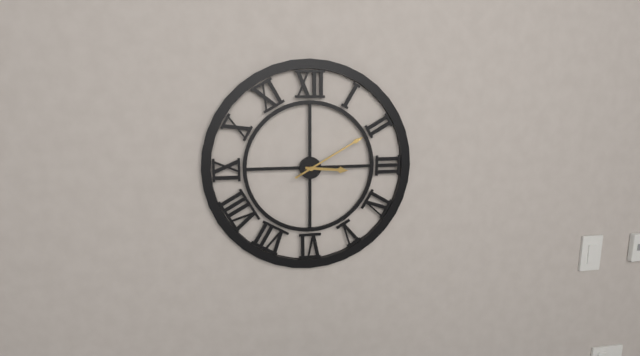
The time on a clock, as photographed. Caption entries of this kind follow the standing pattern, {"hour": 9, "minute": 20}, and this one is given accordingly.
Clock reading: {"hour": 3, "minute": 10}
